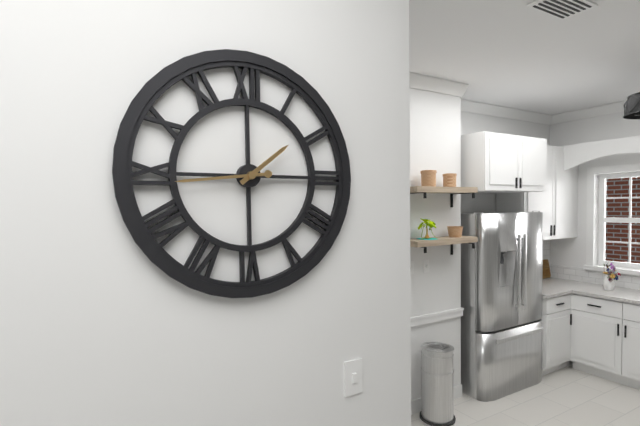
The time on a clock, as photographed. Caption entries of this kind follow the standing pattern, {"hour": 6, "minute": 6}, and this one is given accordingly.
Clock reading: {"hour": 1, "minute": 44}
